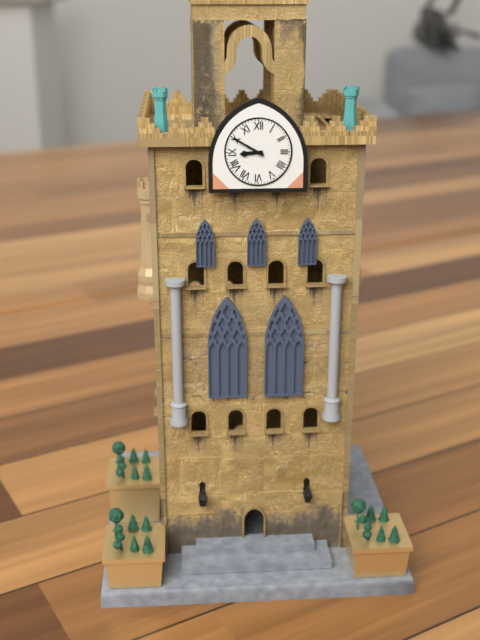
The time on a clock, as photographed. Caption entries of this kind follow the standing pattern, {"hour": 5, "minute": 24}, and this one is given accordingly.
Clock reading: {"hour": 8, "minute": 50}
